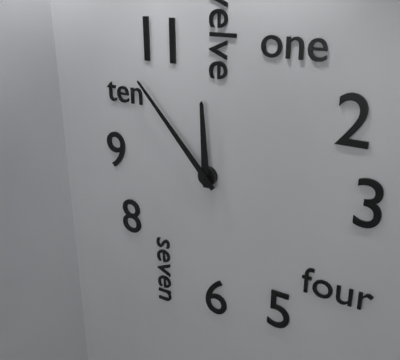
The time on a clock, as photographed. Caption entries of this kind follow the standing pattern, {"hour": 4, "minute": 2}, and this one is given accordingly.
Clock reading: {"hour": 11, "minute": 53}
